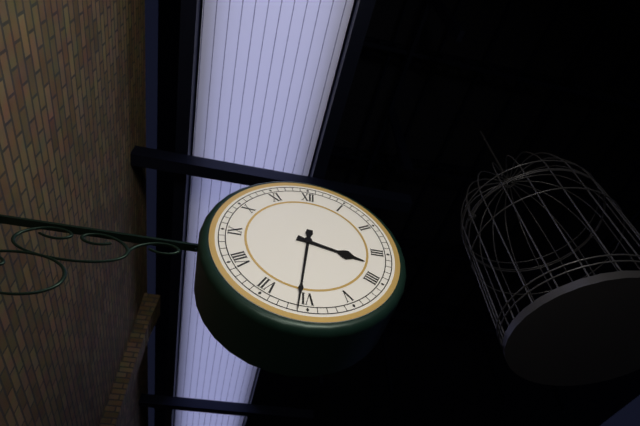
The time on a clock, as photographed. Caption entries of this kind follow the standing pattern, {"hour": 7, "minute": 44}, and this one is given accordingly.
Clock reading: {"hour": 3, "minute": 31}
